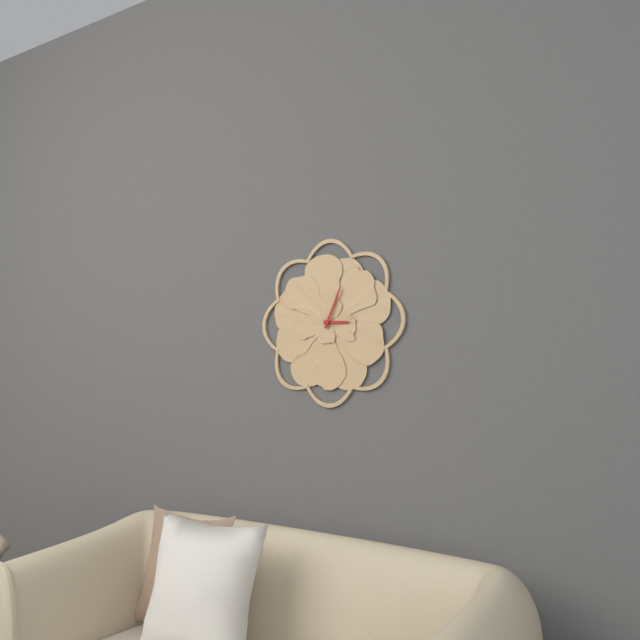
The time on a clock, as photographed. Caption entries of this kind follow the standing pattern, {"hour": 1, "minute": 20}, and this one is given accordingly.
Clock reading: {"hour": 3, "minute": 4}
